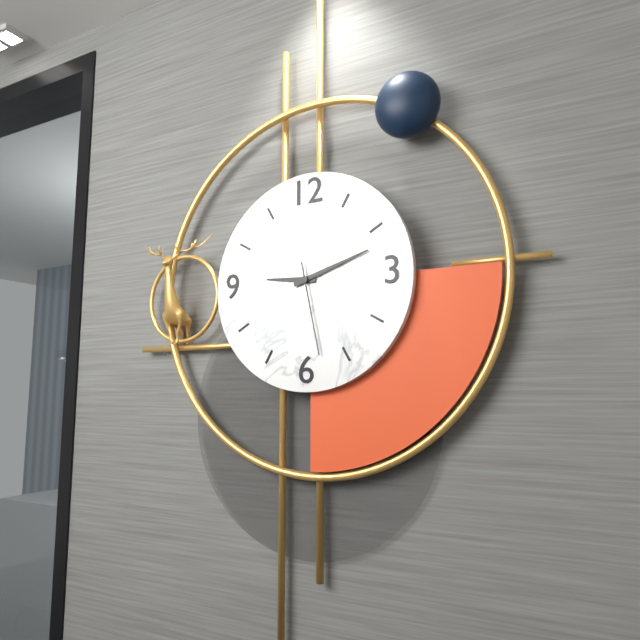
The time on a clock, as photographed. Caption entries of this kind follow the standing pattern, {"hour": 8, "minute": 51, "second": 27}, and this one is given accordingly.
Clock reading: {"hour": 9, "minute": 12, "second": 28}
